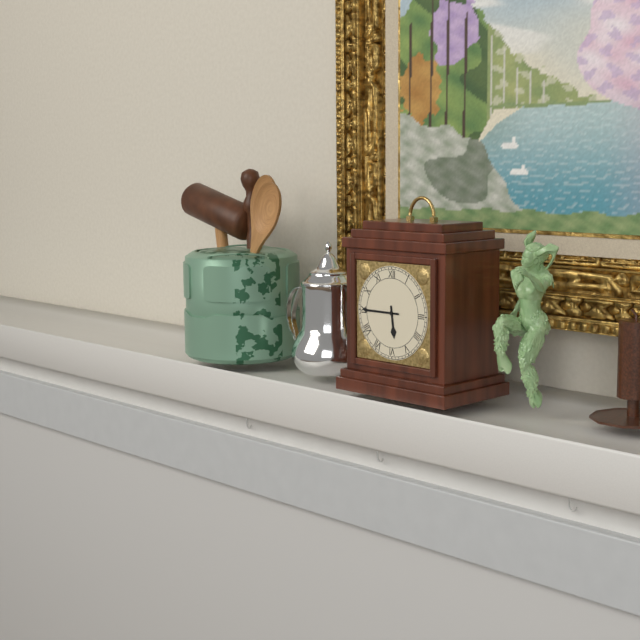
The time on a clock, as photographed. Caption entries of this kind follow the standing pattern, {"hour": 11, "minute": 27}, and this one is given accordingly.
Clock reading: {"hour": 5, "minute": 45}
